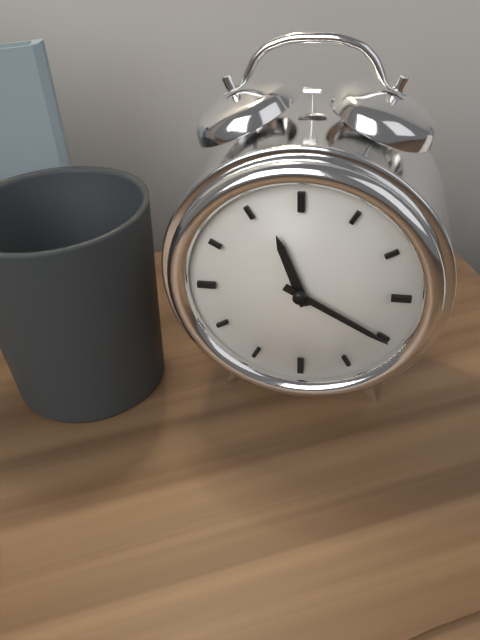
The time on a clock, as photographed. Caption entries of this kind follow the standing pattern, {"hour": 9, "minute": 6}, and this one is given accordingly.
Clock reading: {"hour": 11, "minute": 20}
